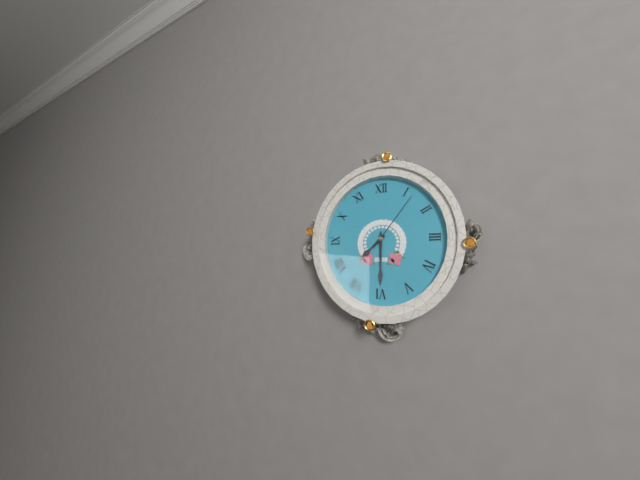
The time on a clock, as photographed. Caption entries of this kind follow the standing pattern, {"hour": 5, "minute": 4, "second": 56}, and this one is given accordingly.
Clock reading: {"hour": 7, "minute": 30, "second": 6}
